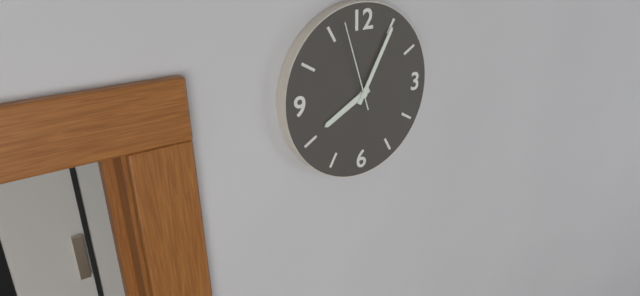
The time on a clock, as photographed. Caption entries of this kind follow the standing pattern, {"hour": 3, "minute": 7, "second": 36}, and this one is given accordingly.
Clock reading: {"hour": 8, "minute": 5, "second": 57}
